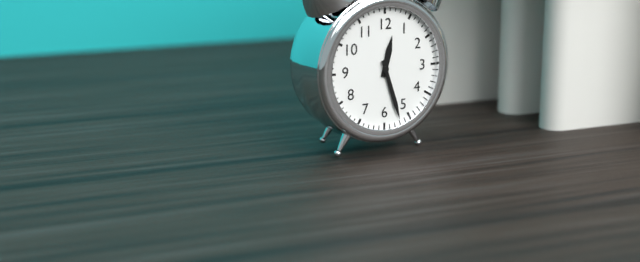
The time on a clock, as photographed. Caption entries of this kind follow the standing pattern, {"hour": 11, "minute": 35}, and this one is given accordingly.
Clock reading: {"hour": 12, "minute": 27}
